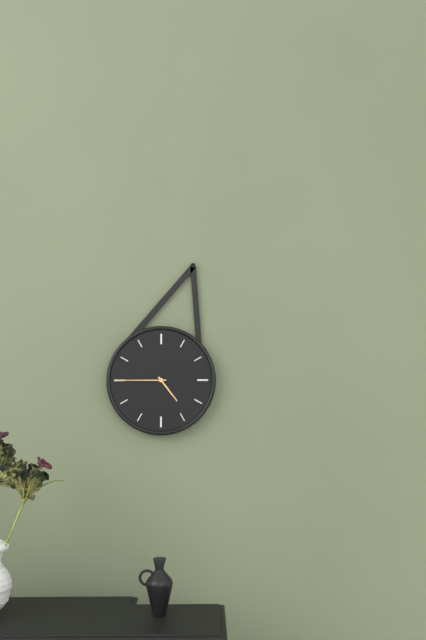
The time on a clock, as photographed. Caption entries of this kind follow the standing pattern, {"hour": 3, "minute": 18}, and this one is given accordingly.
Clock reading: {"hour": 4, "minute": 45}
